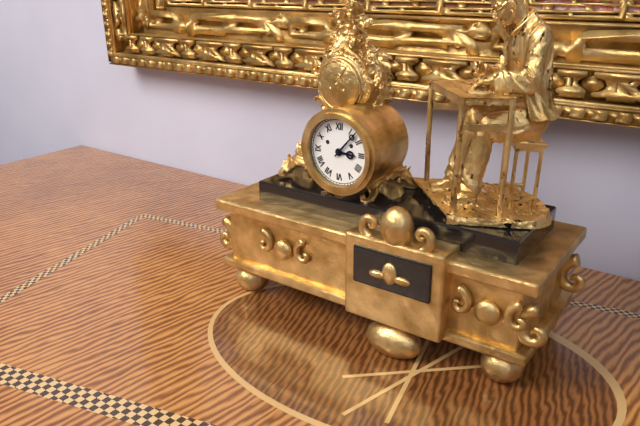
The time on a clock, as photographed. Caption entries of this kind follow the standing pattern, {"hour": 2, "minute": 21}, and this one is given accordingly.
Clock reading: {"hour": 3, "minute": 7}
